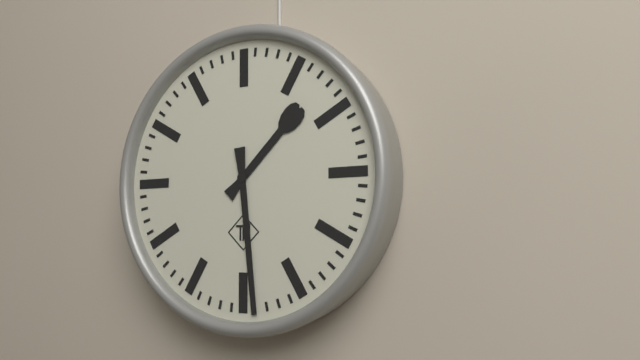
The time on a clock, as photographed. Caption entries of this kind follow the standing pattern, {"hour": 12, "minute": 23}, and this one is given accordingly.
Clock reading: {"hour": 1, "minute": 29}
